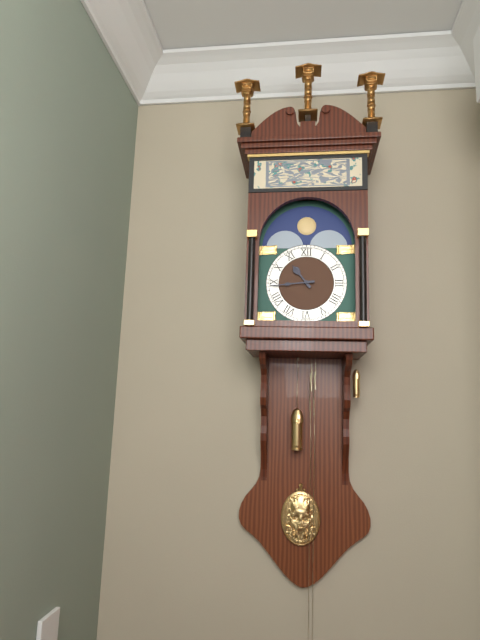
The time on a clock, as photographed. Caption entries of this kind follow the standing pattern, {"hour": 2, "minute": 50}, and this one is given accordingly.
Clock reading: {"hour": 10, "minute": 44}
